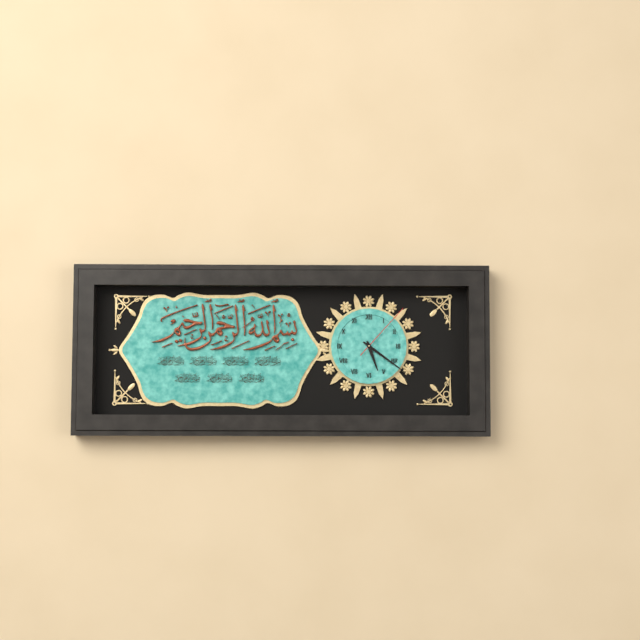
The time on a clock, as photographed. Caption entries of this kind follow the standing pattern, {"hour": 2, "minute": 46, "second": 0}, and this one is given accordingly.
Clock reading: {"hour": 5, "minute": 21, "second": 7}
